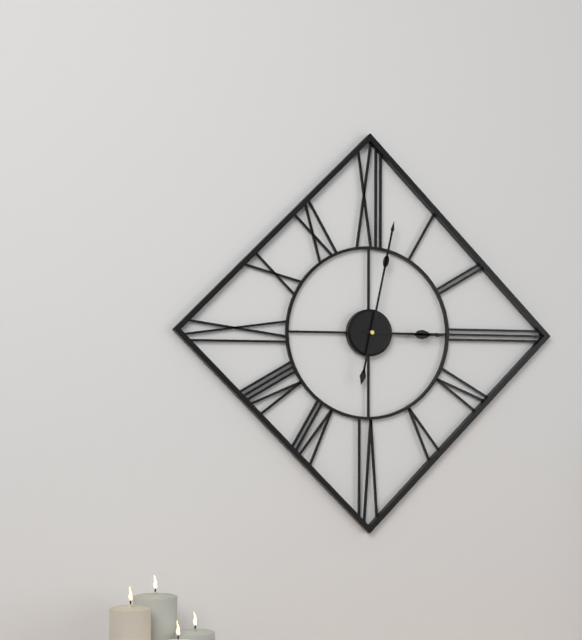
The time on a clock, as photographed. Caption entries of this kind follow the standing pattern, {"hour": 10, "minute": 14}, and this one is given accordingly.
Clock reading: {"hour": 3, "minute": 2}
